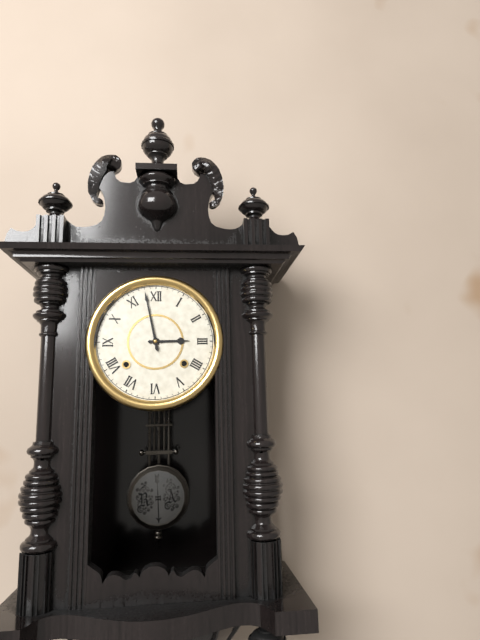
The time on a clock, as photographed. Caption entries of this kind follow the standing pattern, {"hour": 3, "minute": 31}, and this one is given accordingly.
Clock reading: {"hour": 2, "minute": 58}
